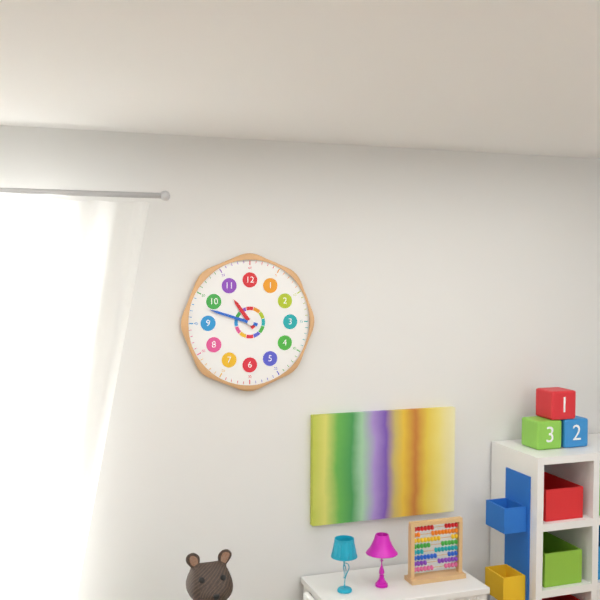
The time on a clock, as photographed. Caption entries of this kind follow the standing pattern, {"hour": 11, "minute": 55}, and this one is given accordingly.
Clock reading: {"hour": 10, "minute": 48}
